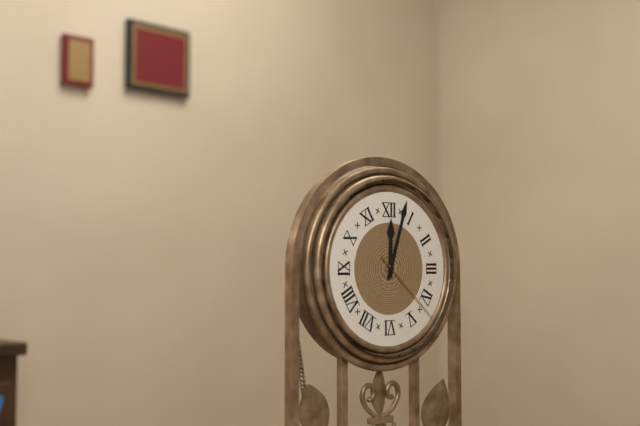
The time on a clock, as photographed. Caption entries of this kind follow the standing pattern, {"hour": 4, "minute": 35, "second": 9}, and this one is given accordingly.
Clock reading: {"hour": 12, "minute": 3, "second": 22}
